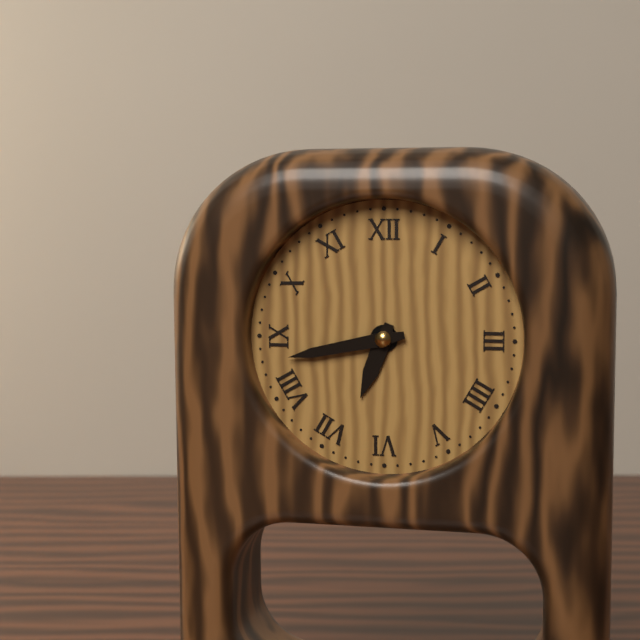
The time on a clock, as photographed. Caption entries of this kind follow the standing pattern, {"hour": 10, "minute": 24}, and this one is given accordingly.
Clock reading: {"hour": 6, "minute": 43}
